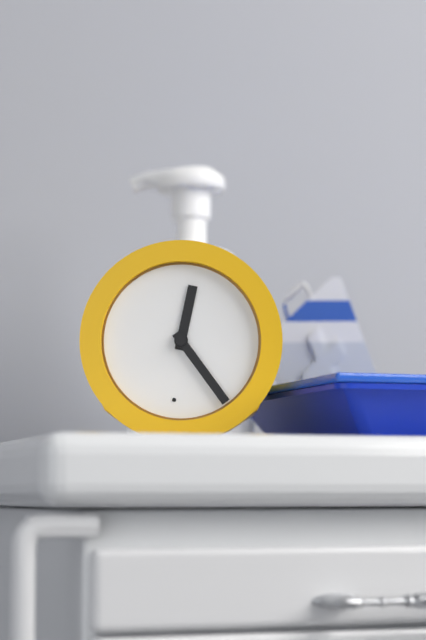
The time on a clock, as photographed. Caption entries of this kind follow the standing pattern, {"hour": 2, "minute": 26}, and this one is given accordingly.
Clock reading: {"hour": 12, "minute": 24}
